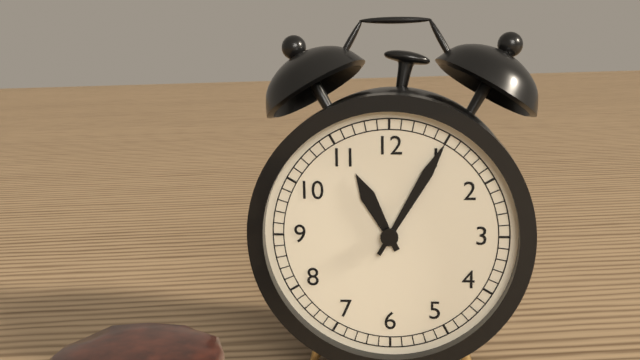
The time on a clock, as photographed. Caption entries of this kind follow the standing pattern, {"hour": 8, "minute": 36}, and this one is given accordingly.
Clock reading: {"hour": 11, "minute": 5}
